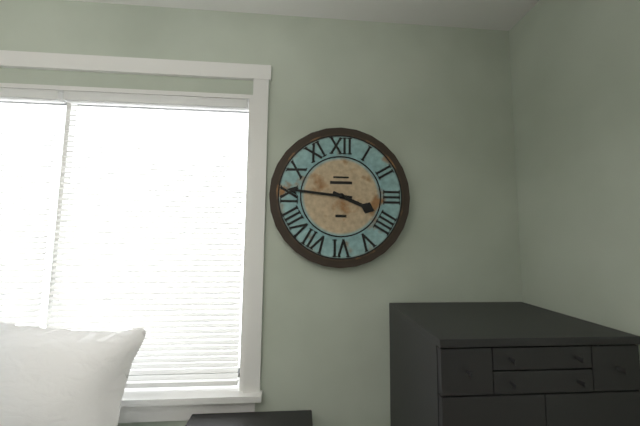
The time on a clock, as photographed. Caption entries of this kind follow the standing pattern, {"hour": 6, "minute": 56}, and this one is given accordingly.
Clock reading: {"hour": 3, "minute": 46}
